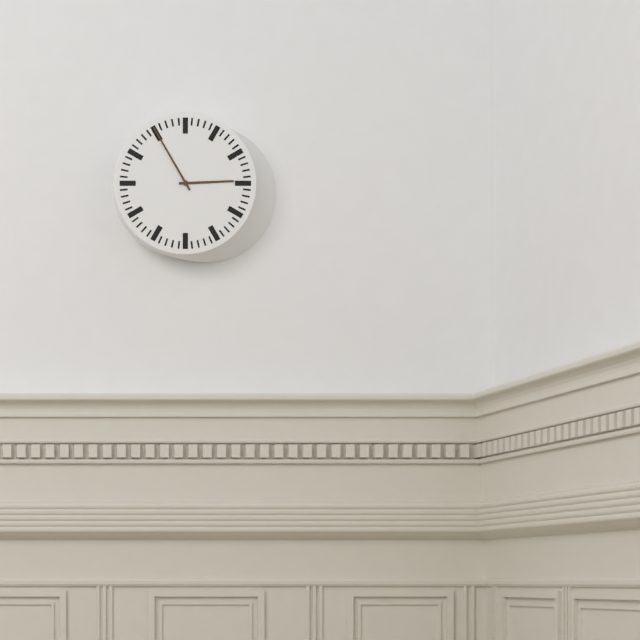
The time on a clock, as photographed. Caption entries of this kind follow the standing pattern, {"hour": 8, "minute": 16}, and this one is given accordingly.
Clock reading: {"hour": 2, "minute": 55}
